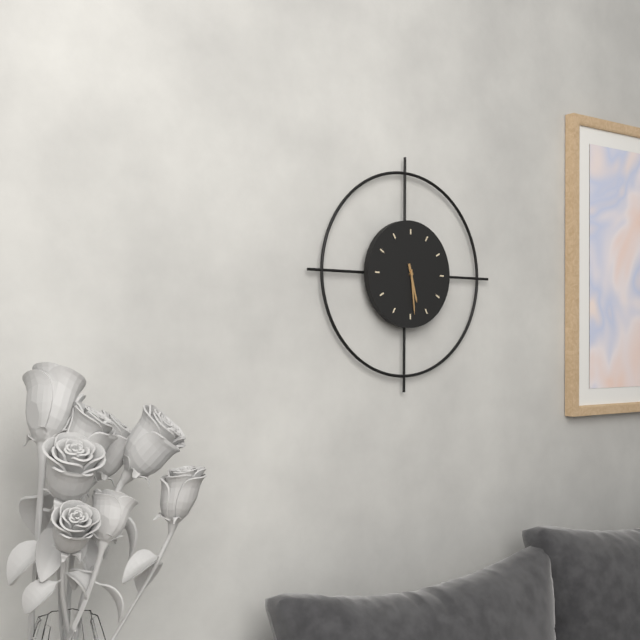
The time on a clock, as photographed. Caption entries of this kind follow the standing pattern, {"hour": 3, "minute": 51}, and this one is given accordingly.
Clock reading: {"hour": 5, "minute": 29}
